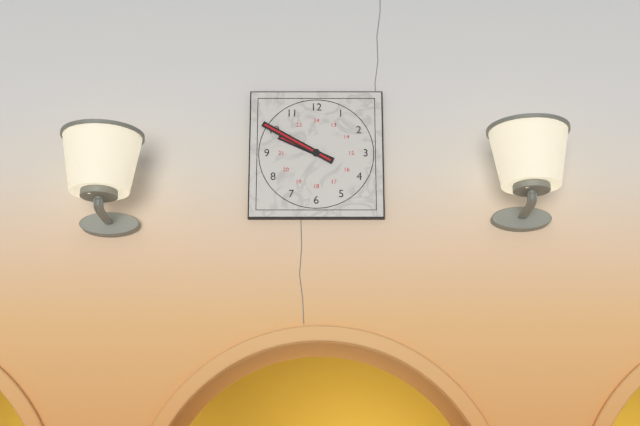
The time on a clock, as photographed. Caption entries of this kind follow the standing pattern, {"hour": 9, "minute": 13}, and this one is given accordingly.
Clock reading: {"hour": 9, "minute": 50}
